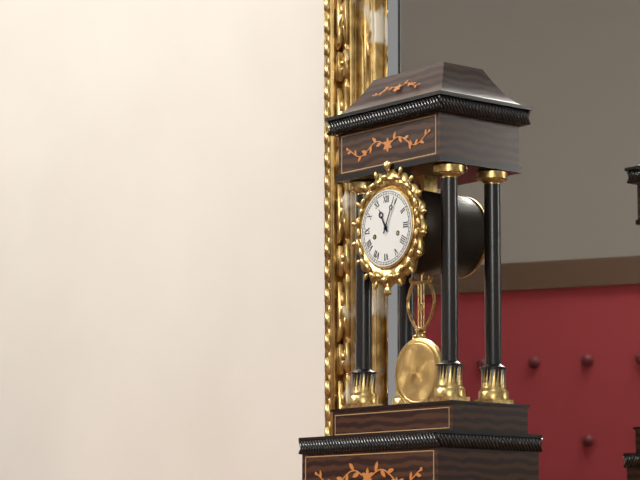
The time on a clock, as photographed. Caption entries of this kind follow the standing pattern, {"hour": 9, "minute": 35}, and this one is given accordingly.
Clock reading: {"hour": 11, "minute": 4}
